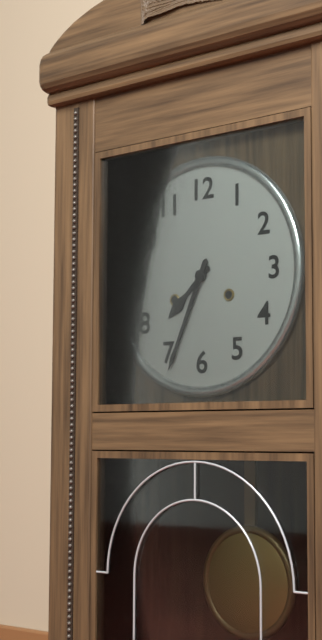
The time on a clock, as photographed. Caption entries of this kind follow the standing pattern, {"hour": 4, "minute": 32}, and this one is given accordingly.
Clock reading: {"hour": 7, "minute": 34}
